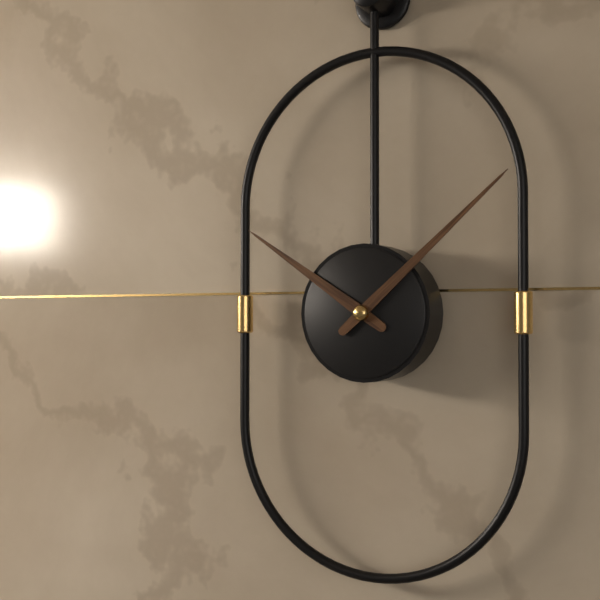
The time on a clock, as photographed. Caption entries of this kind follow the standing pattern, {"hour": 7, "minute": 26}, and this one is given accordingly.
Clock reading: {"hour": 10, "minute": 8}
